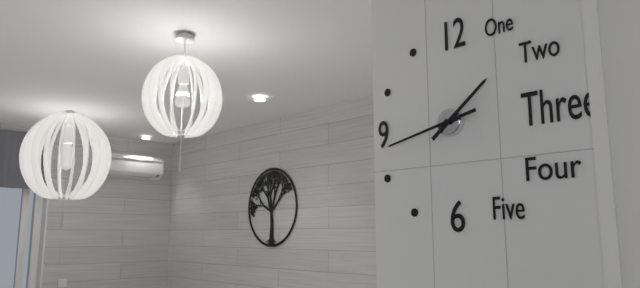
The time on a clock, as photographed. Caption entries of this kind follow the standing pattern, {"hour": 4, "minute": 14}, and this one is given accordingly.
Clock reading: {"hour": 1, "minute": 43}
